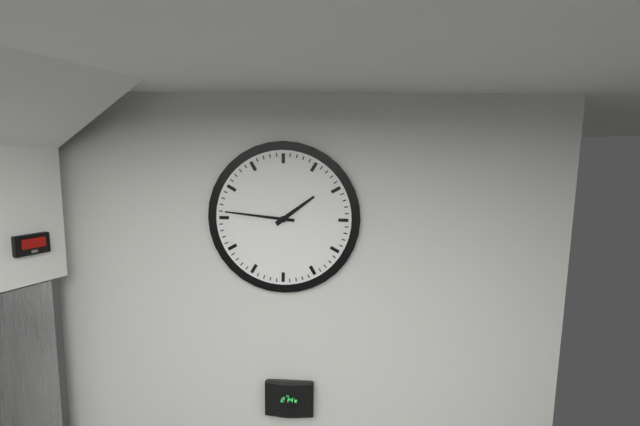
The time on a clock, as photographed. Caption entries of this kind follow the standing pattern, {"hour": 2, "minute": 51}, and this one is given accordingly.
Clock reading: {"hour": 1, "minute": 46}
